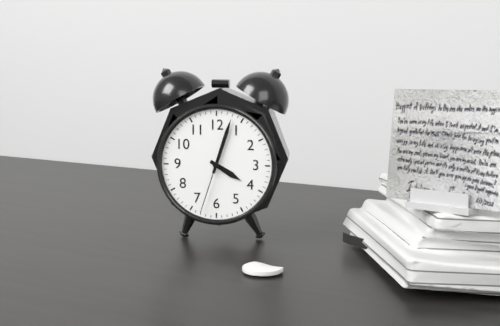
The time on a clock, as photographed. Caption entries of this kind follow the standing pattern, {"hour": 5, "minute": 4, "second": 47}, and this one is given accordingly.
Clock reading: {"hour": 4, "minute": 3, "second": 33}
